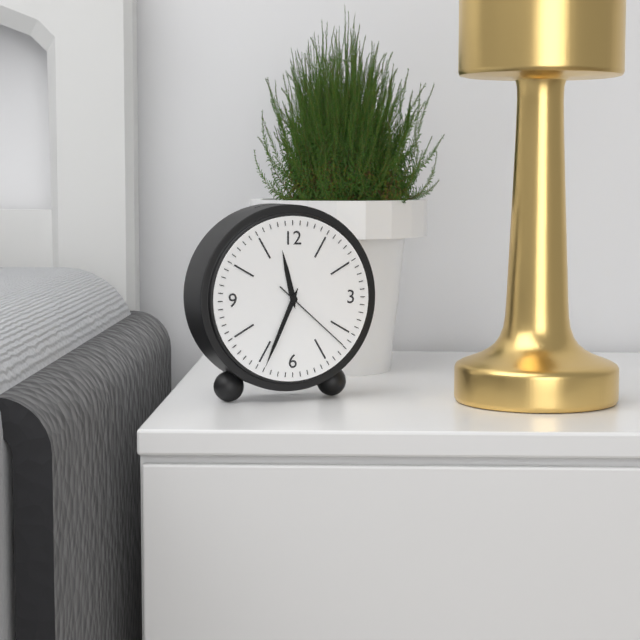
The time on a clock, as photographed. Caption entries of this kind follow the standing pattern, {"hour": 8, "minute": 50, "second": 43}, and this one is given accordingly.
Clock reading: {"hour": 11, "minute": 34, "second": 22}
